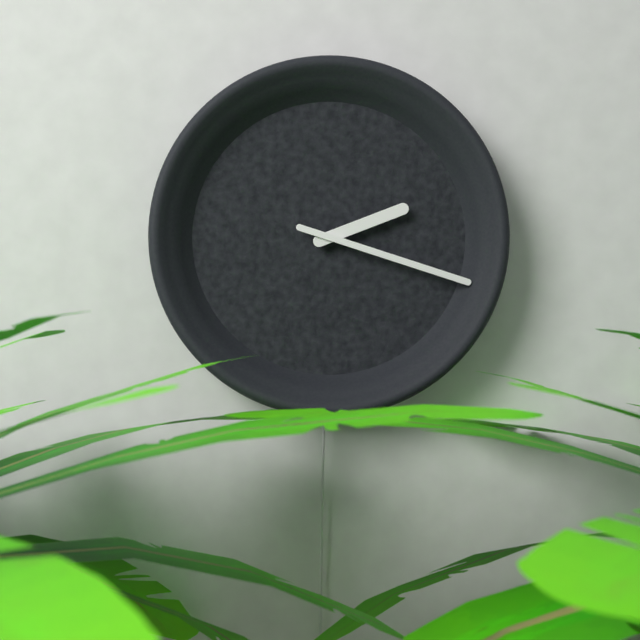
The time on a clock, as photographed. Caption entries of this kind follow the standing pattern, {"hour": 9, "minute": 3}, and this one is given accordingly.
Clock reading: {"hour": 2, "minute": 18}
